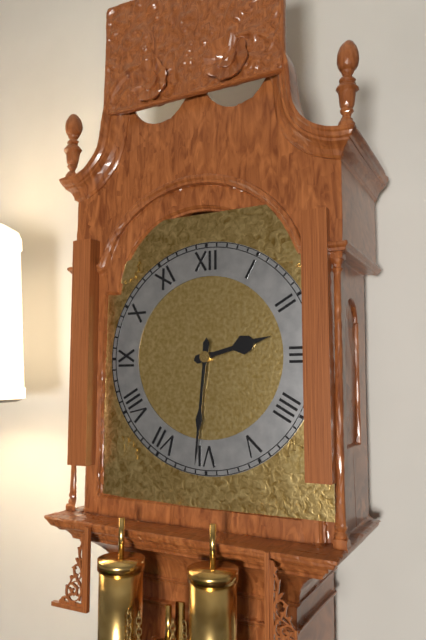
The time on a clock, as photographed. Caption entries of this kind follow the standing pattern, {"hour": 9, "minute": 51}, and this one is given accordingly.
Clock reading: {"hour": 2, "minute": 31}
